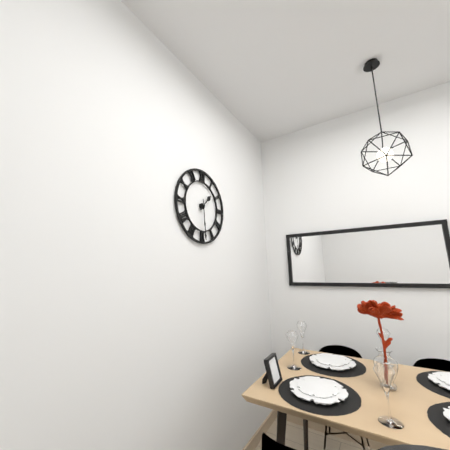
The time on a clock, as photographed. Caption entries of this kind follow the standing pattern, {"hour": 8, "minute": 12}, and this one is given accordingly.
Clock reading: {"hour": 1, "minute": 29}
